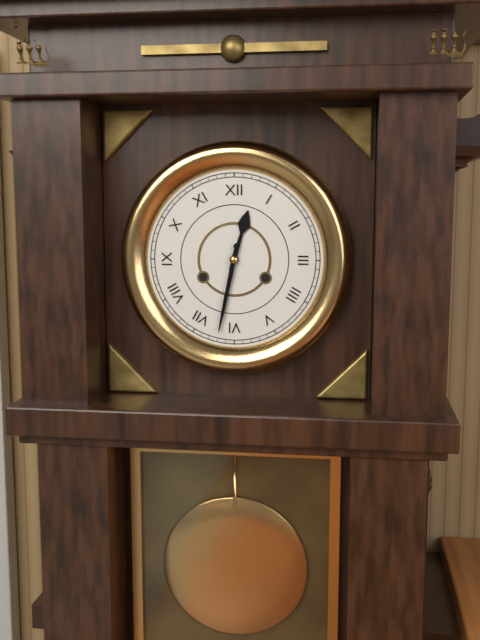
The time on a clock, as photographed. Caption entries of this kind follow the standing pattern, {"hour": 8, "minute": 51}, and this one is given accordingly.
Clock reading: {"hour": 12, "minute": 32}
